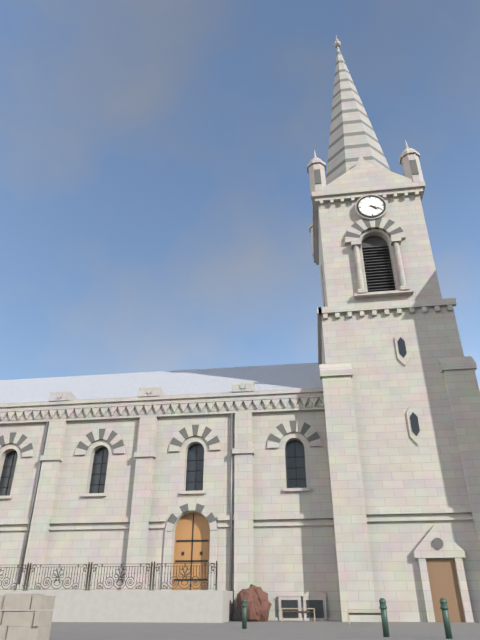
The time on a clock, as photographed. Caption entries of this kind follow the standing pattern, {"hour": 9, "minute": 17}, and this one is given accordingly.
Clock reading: {"hour": 4, "minute": 19}
